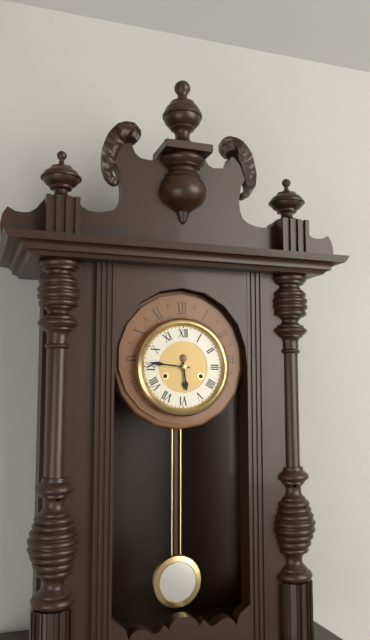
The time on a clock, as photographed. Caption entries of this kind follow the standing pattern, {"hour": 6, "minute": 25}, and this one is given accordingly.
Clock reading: {"hour": 5, "minute": 46}
